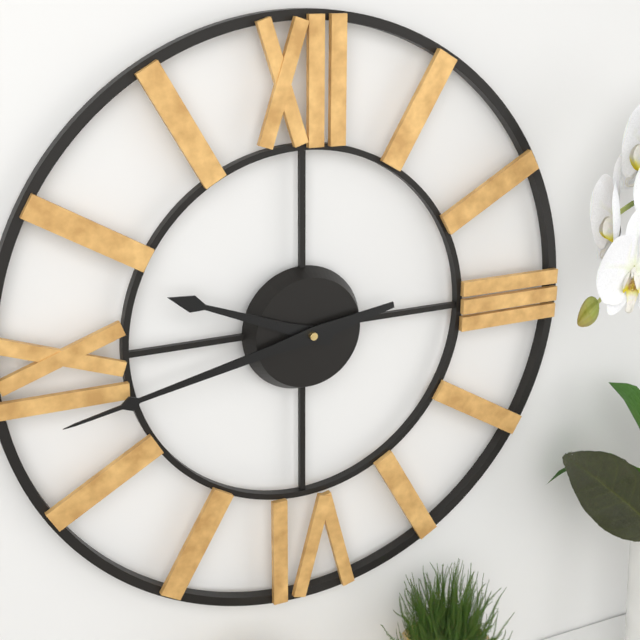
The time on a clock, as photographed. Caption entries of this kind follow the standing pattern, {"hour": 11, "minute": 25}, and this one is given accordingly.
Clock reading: {"hour": 9, "minute": 43}
